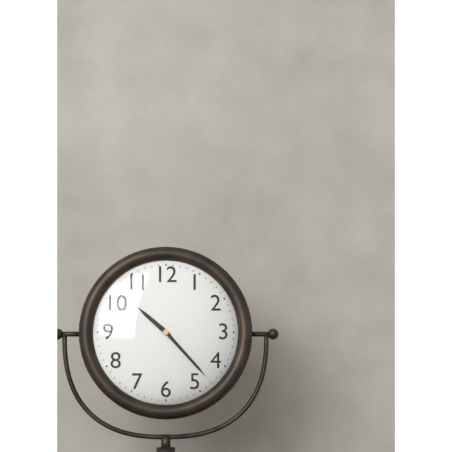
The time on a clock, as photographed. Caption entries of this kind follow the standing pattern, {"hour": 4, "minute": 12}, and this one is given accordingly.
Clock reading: {"hour": 10, "minute": 23}
